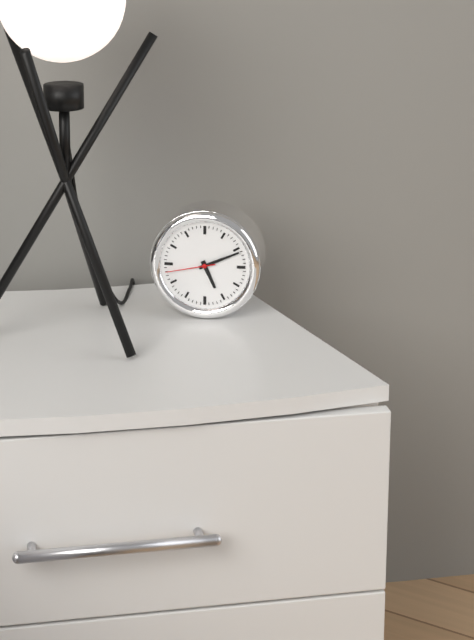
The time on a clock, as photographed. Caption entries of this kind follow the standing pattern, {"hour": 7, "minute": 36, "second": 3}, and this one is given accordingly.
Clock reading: {"hour": 5, "minute": 11, "second": 43}
